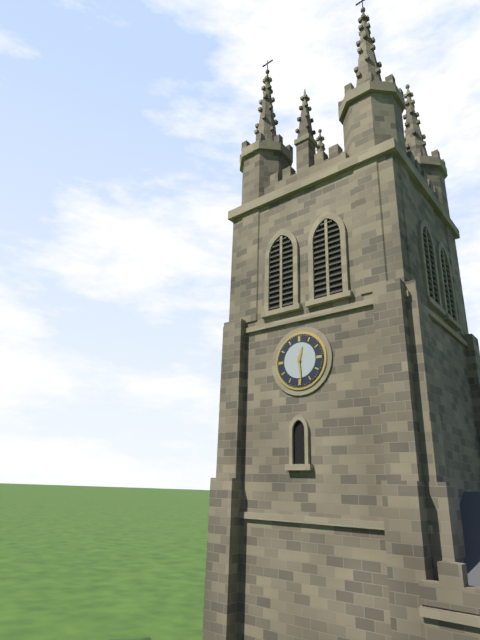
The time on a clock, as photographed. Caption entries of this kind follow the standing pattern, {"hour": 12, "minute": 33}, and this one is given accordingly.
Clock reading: {"hour": 12, "minute": 29}
